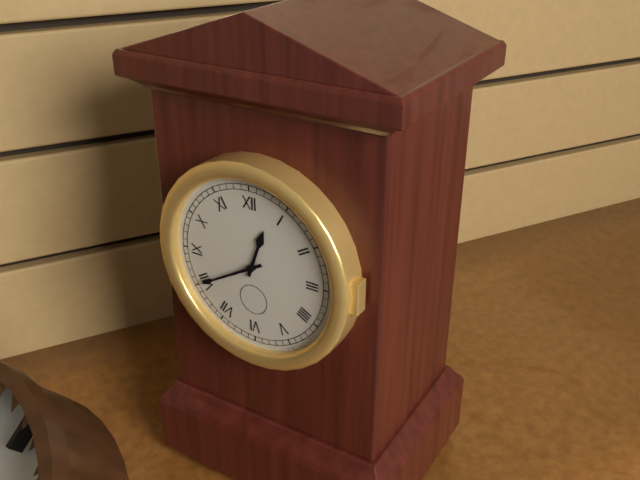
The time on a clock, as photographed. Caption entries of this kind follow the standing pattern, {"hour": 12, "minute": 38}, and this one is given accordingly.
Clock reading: {"hour": 12, "minute": 40}
